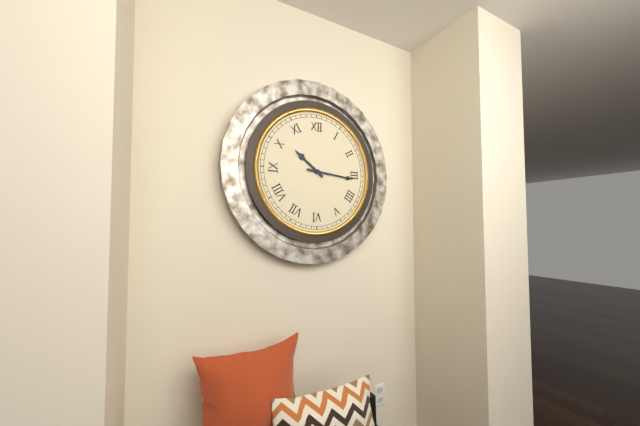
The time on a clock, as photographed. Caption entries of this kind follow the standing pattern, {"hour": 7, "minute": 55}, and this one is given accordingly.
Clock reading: {"hour": 10, "minute": 16}
